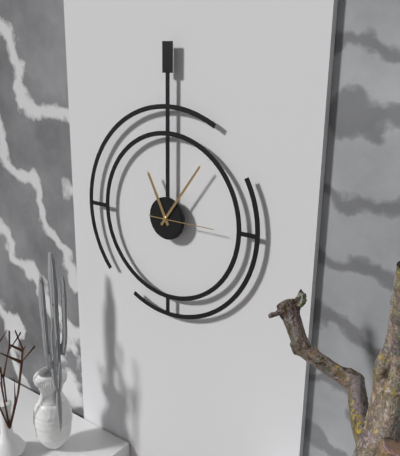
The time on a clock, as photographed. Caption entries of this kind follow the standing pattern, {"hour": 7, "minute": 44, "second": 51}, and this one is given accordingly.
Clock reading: {"hour": 11, "minute": 6, "second": 15}
